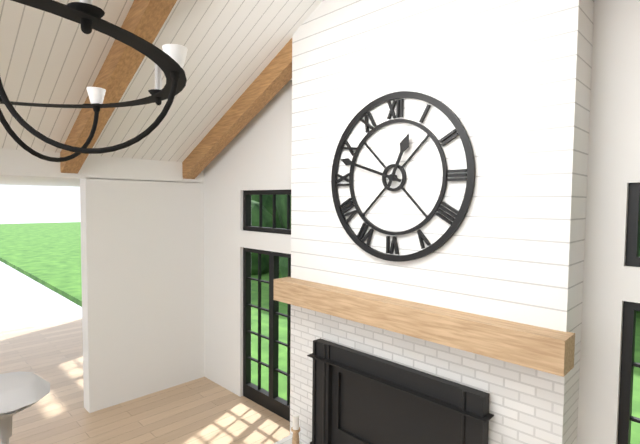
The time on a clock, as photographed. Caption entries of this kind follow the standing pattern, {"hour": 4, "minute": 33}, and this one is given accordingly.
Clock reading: {"hour": 12, "minute": 48}
